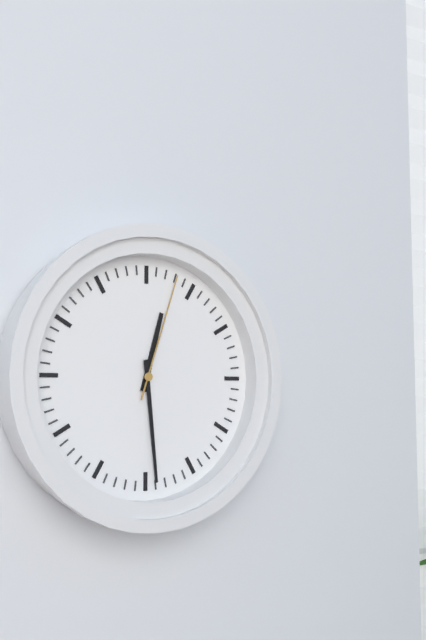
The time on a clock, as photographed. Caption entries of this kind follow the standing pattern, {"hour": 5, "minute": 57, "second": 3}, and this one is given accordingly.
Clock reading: {"hour": 12, "minute": 29, "second": 3}
